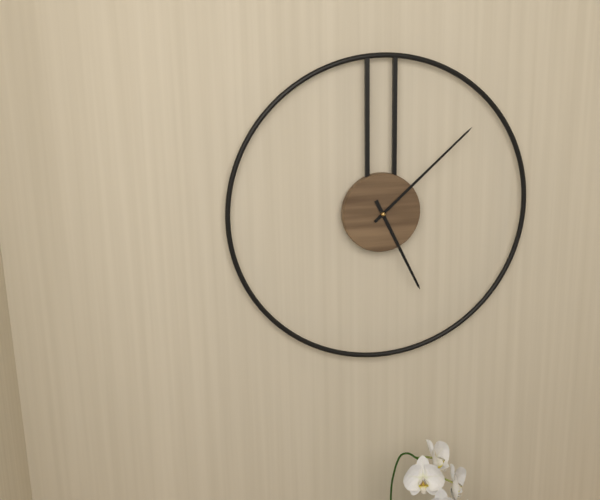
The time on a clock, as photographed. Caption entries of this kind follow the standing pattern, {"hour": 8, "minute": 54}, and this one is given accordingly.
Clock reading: {"hour": 5, "minute": 8}
